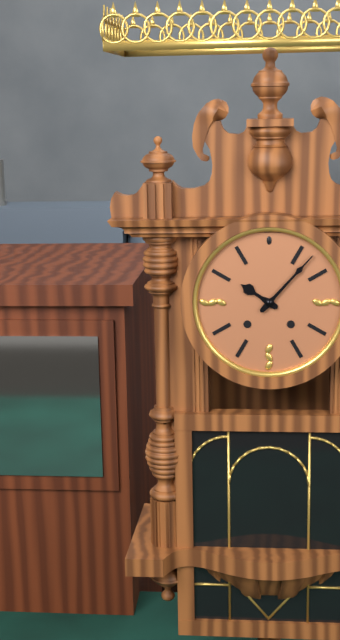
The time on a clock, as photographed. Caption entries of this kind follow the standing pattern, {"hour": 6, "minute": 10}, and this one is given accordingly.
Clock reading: {"hour": 10, "minute": 7}
